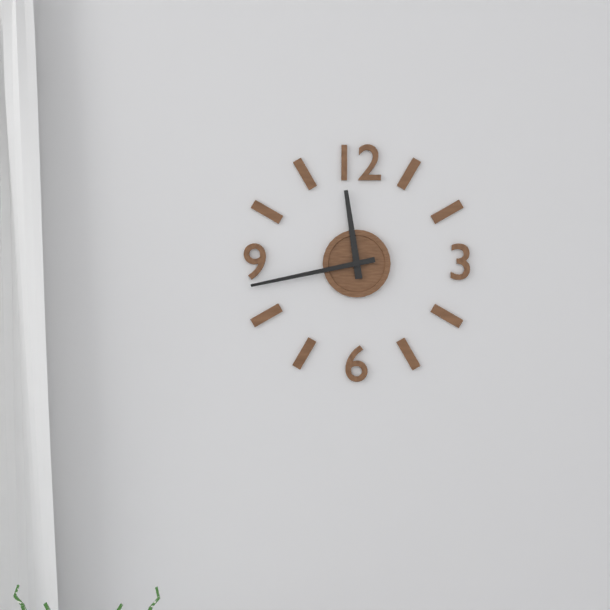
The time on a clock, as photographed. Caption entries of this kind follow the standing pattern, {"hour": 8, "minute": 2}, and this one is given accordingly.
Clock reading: {"hour": 11, "minute": 43}
